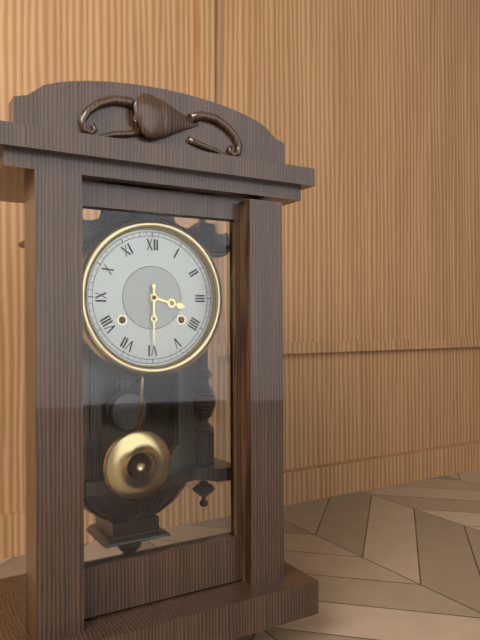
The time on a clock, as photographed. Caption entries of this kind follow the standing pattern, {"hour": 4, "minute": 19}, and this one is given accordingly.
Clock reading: {"hour": 3, "minute": 30}
